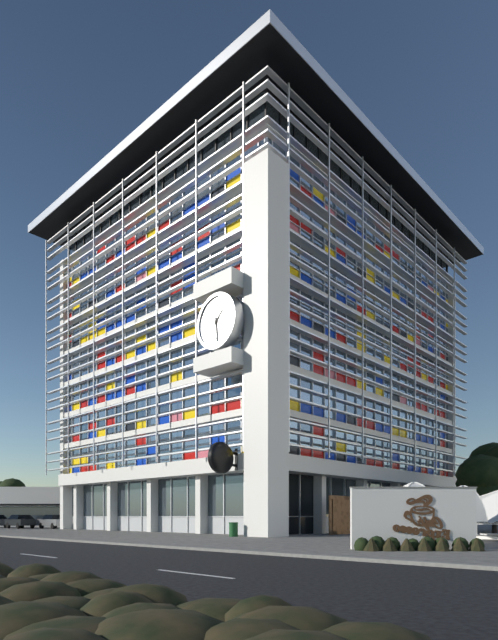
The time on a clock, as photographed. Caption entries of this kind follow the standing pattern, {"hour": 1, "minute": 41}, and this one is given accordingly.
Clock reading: {"hour": 1, "minute": 29}
